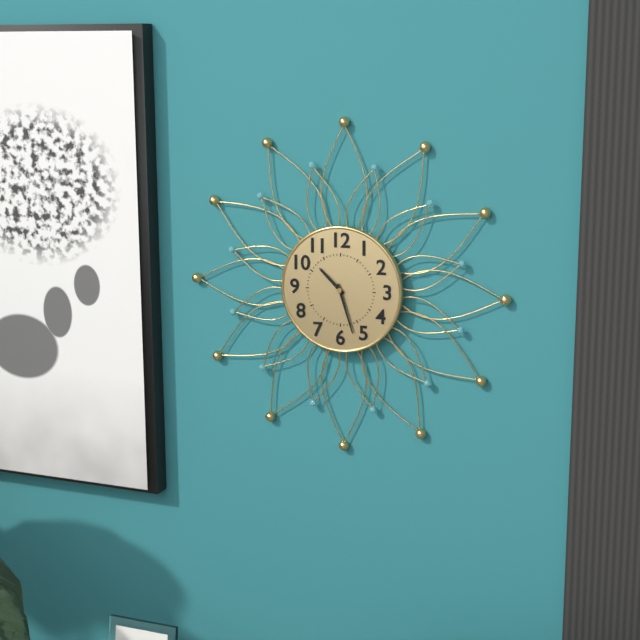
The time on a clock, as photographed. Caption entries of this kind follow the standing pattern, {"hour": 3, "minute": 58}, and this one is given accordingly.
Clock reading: {"hour": 10, "minute": 27}
